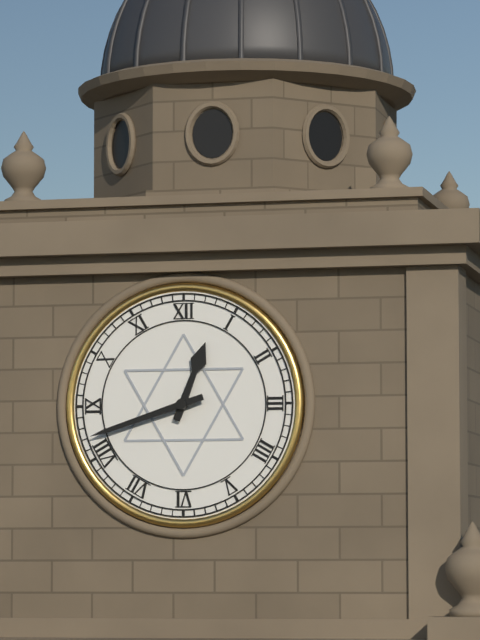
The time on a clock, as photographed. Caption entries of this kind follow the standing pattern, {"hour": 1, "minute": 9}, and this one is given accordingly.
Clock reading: {"hour": 12, "minute": 42}
